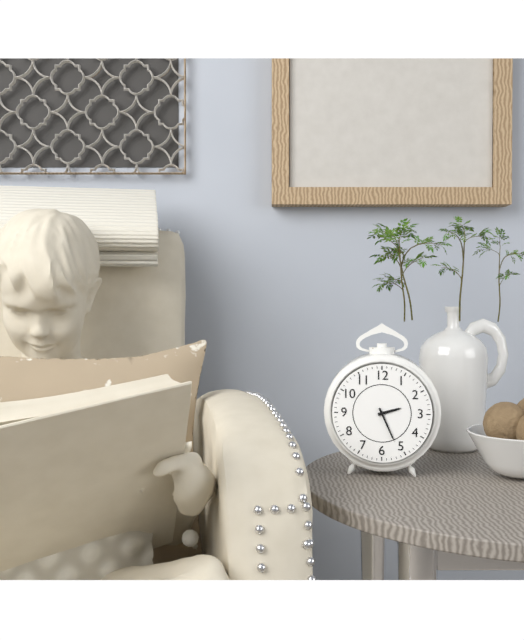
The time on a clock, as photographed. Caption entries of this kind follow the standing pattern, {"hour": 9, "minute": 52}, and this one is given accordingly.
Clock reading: {"hour": 2, "minute": 26}
